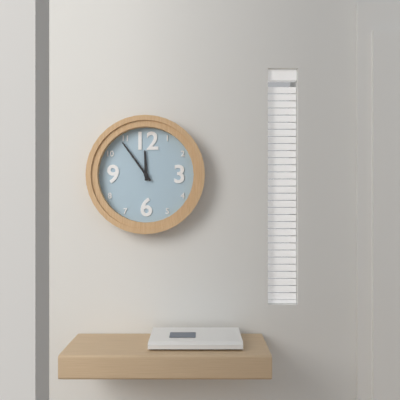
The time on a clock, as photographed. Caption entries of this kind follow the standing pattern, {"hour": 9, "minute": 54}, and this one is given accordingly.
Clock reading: {"hour": 11, "minute": 54}
